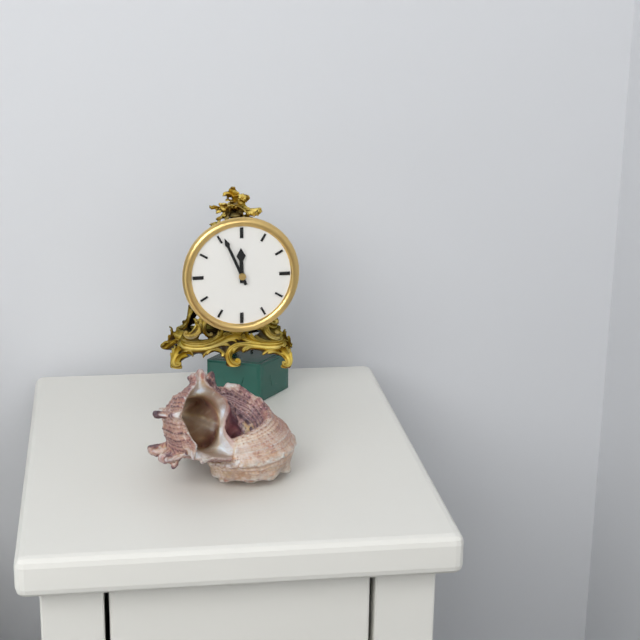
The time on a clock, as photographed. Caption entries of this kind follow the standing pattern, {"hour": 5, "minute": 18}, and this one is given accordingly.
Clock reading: {"hour": 11, "minute": 56}
